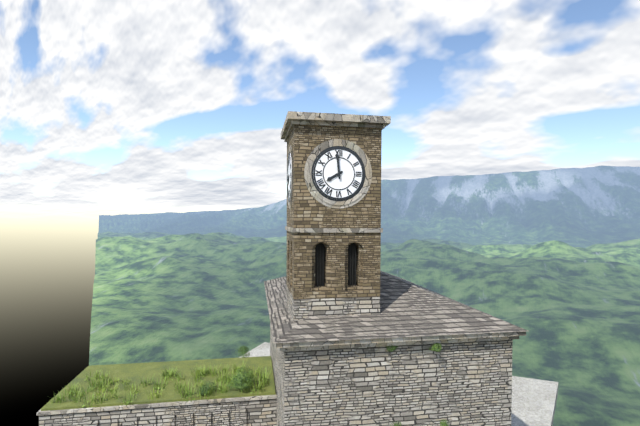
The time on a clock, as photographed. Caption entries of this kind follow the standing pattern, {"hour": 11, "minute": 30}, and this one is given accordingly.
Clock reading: {"hour": 7, "minute": 59}
